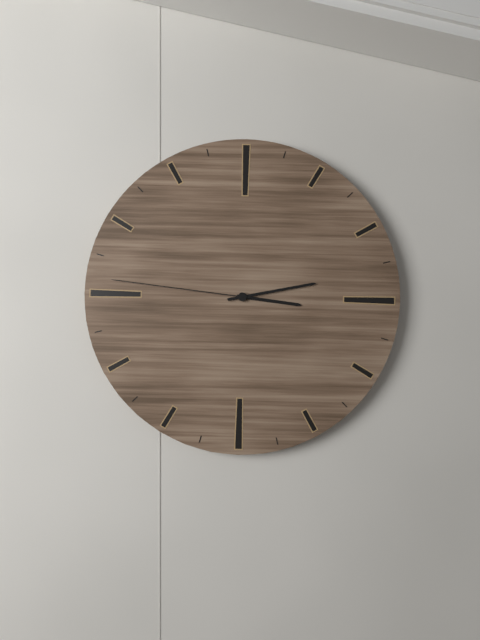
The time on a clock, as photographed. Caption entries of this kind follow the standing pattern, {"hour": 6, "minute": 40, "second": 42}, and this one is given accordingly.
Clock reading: {"hour": 3, "minute": 13, "second": 46}
